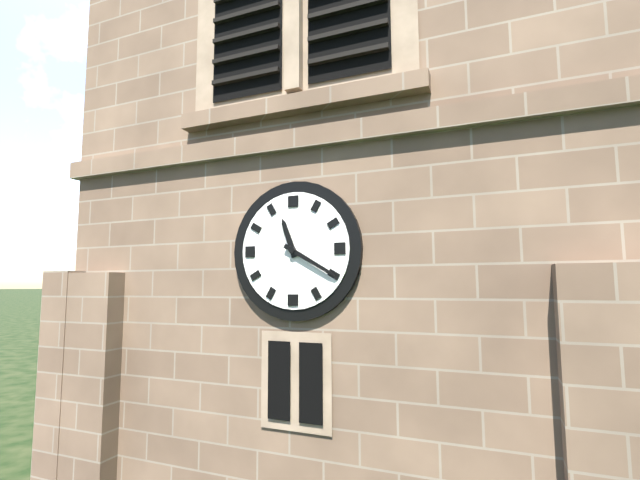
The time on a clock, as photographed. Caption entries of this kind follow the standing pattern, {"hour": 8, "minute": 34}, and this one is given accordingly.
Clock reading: {"hour": 11, "minute": 20}
